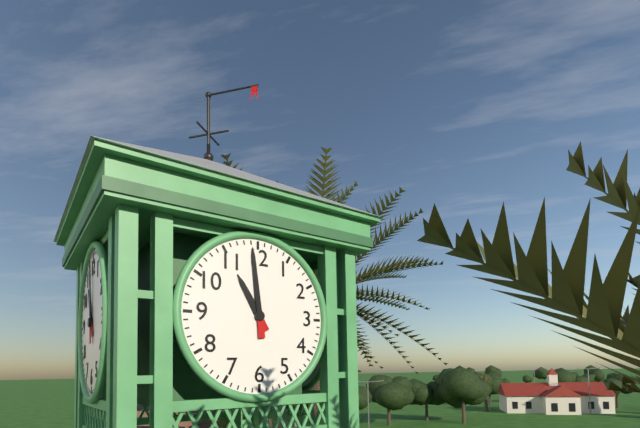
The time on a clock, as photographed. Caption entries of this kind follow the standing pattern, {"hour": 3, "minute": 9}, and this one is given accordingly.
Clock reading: {"hour": 10, "minute": 59}
